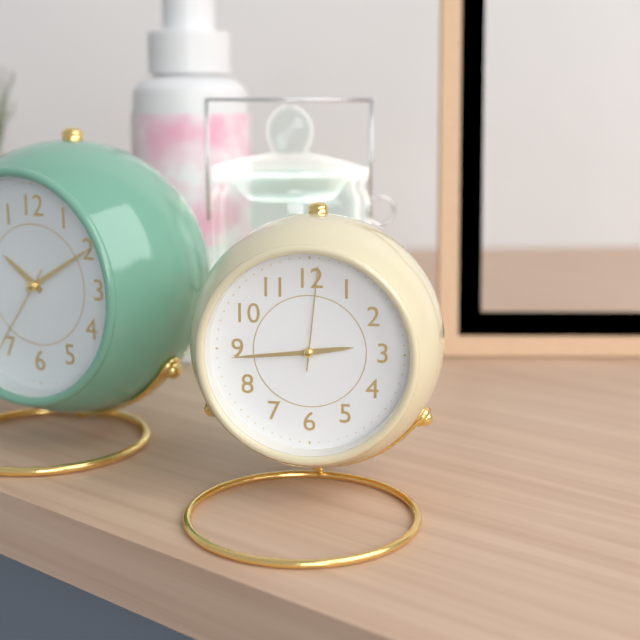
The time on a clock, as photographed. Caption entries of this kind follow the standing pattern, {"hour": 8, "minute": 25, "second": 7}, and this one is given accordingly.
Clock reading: {"hour": 2, "minute": 44, "second": 1}
